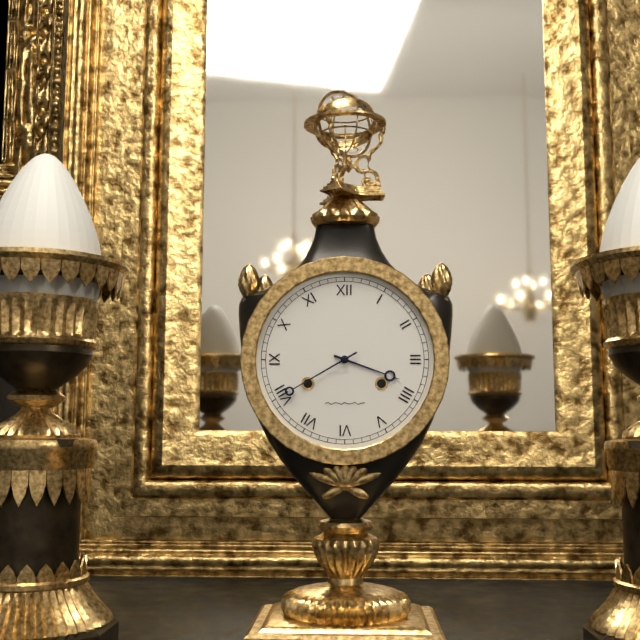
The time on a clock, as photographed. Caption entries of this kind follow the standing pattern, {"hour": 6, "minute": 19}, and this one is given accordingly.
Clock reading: {"hour": 3, "minute": 40}
